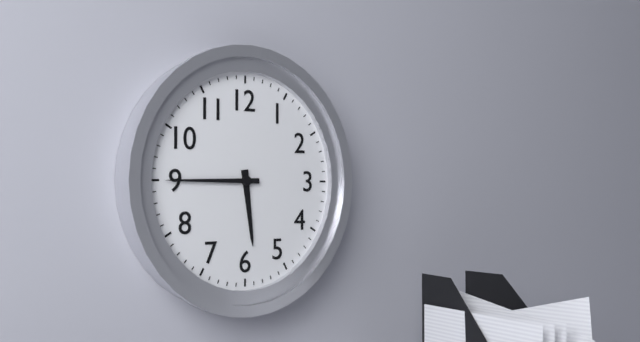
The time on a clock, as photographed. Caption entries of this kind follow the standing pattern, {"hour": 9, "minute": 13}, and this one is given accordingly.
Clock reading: {"hour": 5, "minute": 45}
